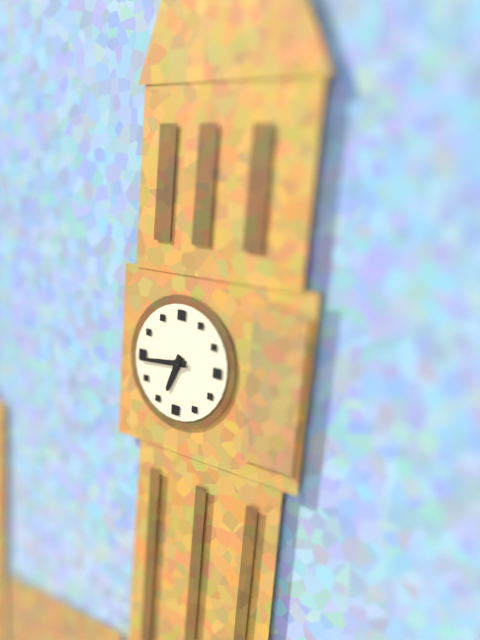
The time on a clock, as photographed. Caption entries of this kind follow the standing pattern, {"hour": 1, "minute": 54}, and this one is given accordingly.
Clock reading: {"hour": 6, "minute": 44}
